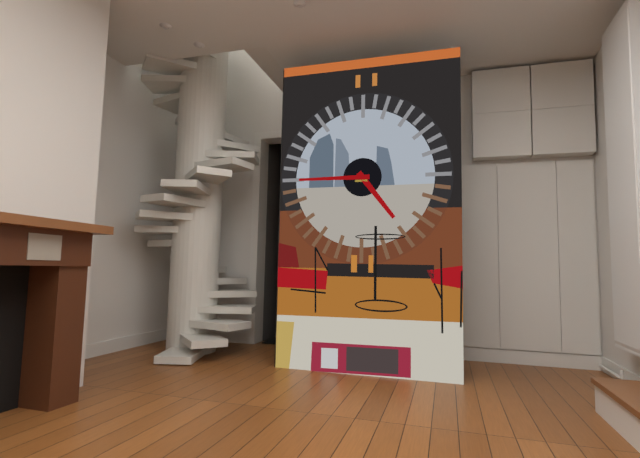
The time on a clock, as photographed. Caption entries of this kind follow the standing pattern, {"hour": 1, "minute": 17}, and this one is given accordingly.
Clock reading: {"hour": 4, "minute": 45}
